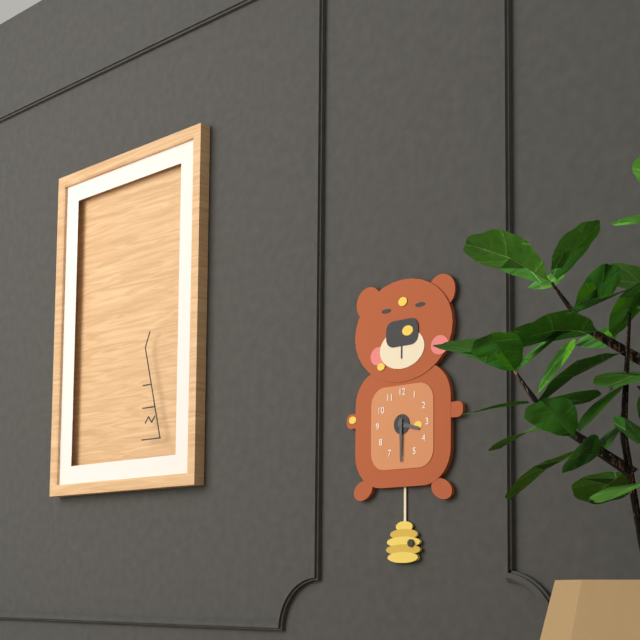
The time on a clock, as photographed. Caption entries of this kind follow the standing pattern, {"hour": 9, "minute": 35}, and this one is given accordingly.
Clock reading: {"hour": 3, "minute": 30}
